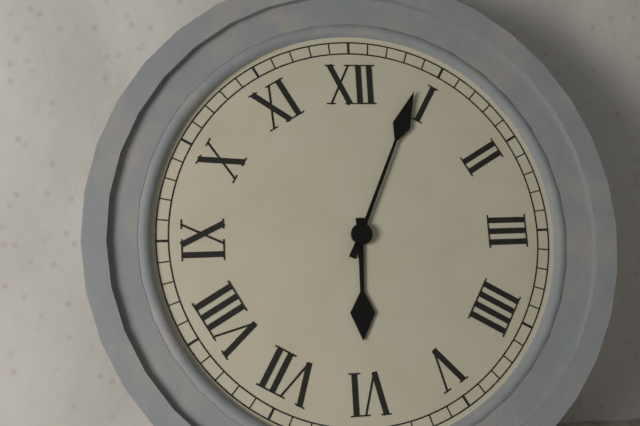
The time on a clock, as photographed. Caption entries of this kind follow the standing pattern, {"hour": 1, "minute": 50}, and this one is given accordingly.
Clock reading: {"hour": 6, "minute": 4}
